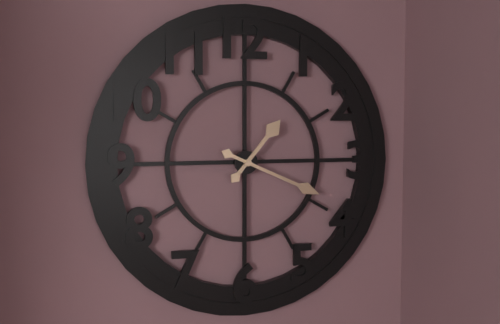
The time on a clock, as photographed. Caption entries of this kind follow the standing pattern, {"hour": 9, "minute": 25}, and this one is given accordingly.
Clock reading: {"hour": 1, "minute": 19}
